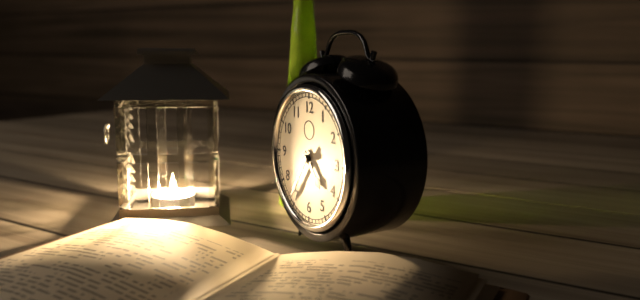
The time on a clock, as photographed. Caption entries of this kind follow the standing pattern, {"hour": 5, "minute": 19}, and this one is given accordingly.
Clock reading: {"hour": 4, "minute": 36}
